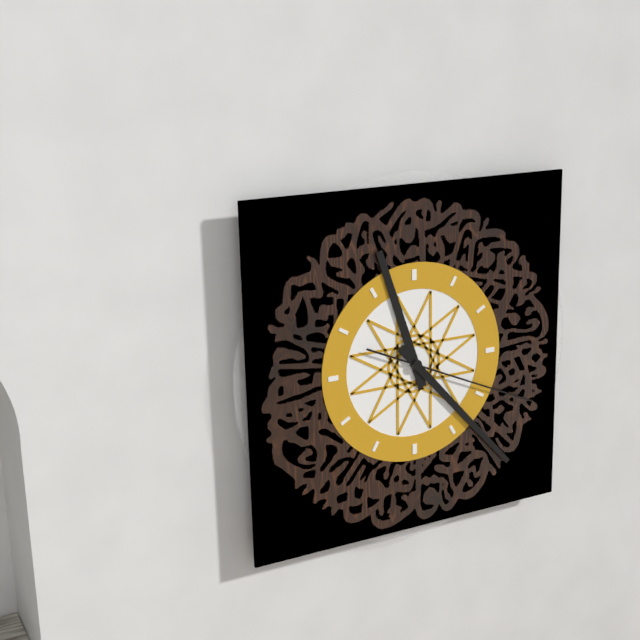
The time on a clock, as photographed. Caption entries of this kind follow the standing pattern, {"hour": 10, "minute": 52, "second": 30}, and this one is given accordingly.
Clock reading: {"hour": 11, "minute": 23, "second": 19}
